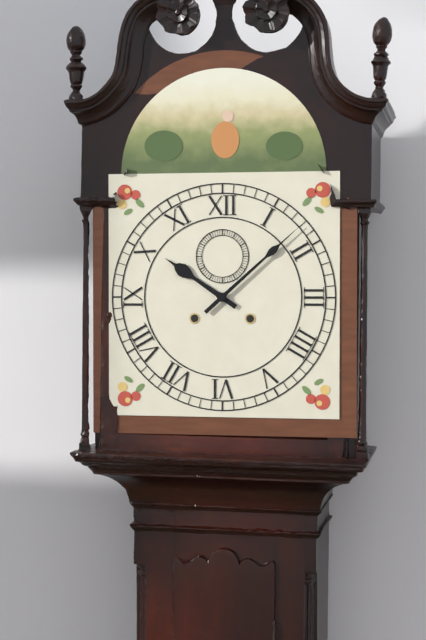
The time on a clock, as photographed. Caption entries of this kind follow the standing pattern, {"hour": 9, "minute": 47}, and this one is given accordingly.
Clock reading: {"hour": 10, "minute": 8}
